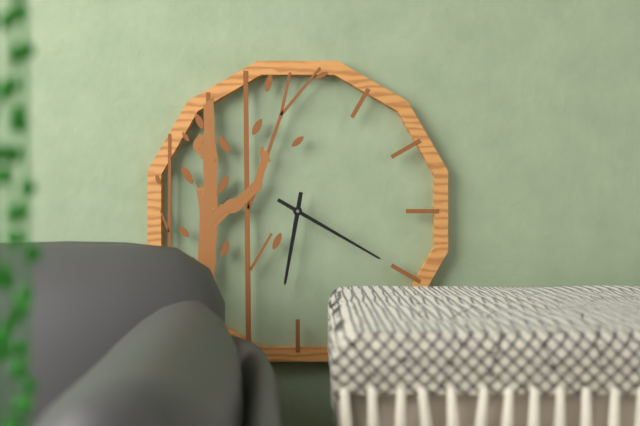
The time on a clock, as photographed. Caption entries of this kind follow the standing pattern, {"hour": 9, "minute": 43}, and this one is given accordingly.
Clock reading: {"hour": 6, "minute": 20}
